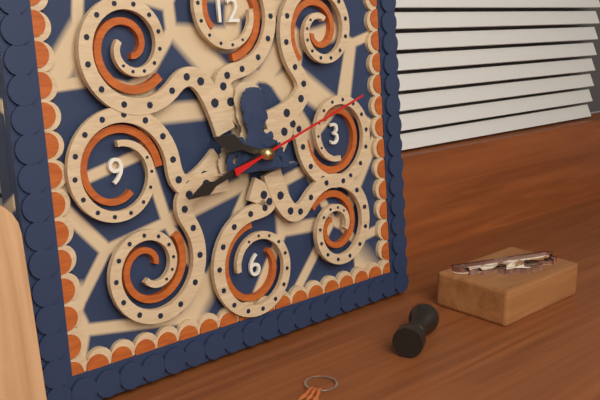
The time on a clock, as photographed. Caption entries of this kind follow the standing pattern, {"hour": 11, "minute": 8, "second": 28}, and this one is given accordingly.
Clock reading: {"hour": 9, "minute": 42, "second": 12}
